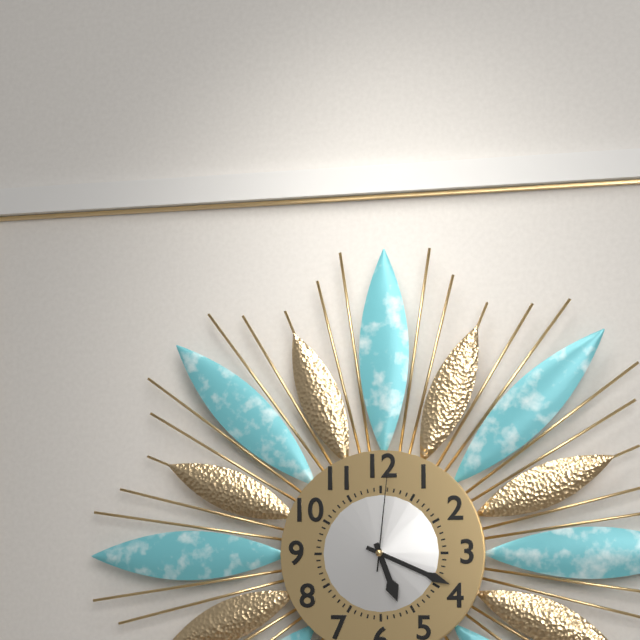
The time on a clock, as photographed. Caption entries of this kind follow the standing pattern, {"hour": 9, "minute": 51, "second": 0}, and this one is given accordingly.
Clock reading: {"hour": 5, "minute": 19, "second": 1}
